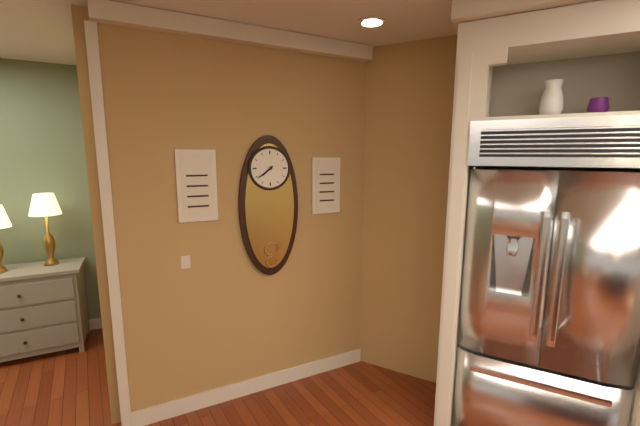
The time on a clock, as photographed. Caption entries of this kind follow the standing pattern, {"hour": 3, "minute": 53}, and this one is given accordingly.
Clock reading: {"hour": 7, "minute": 39}
